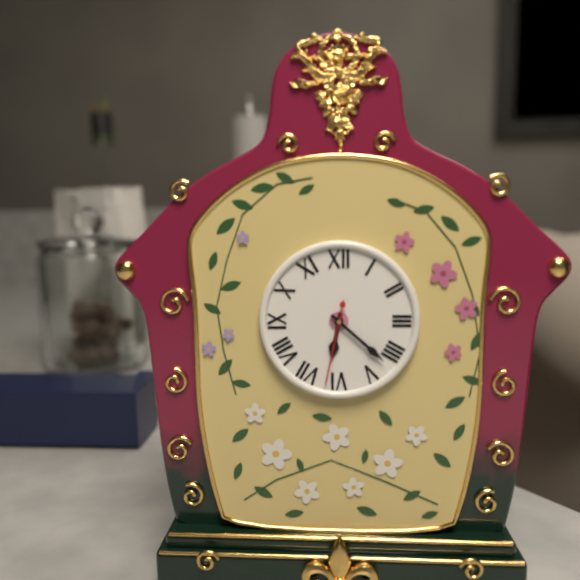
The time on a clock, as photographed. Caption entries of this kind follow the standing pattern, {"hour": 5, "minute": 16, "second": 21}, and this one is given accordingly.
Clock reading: {"hour": 6, "minute": 22, "second": 32}
